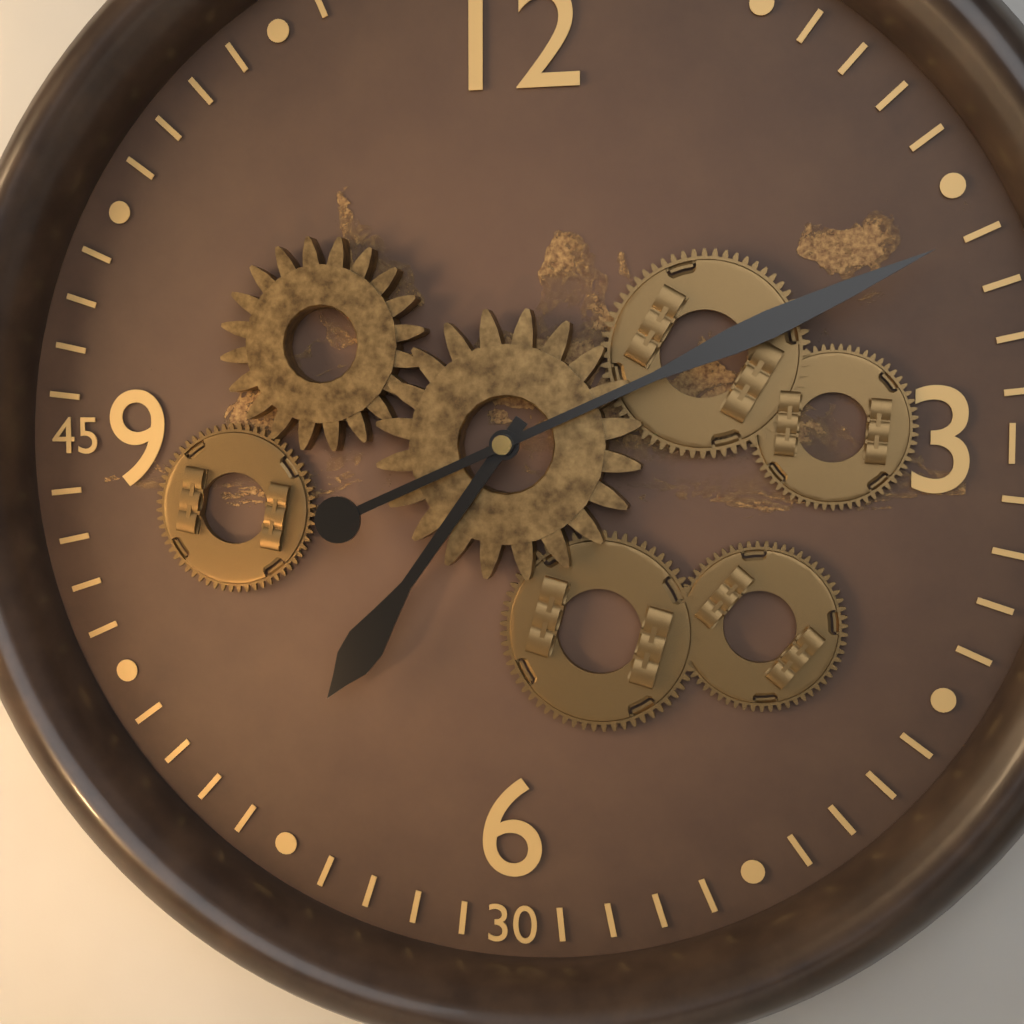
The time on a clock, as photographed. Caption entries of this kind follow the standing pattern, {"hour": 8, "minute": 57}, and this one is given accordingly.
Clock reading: {"hour": 7, "minute": 11}
